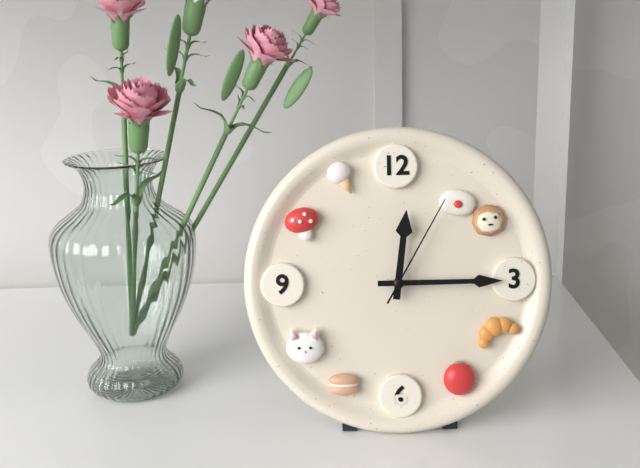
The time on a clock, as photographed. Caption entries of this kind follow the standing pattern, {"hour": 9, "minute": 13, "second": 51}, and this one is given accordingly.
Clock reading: {"hour": 12, "minute": 15, "second": 5}
